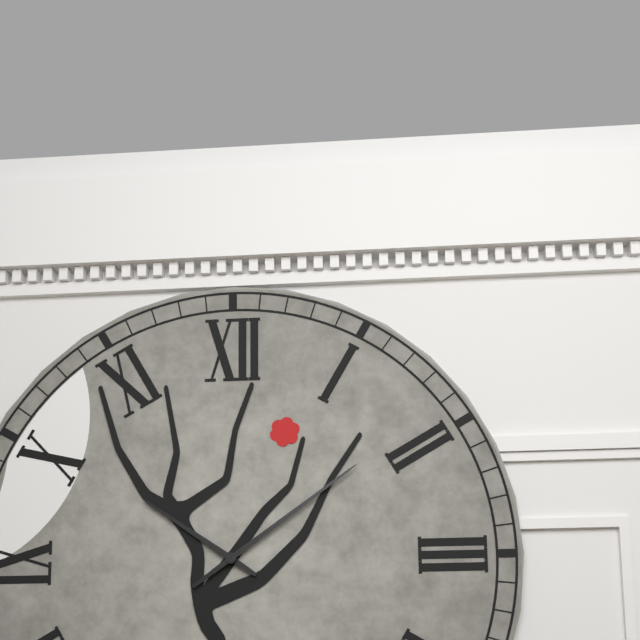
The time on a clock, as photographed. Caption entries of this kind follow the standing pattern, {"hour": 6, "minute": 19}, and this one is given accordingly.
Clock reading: {"hour": 10, "minute": 9}
